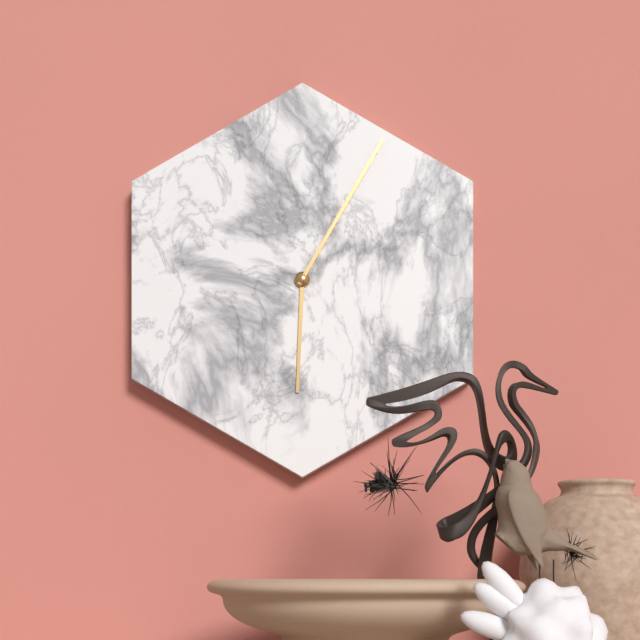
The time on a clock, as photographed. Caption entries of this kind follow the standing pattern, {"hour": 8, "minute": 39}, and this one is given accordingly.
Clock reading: {"hour": 6, "minute": 5}
